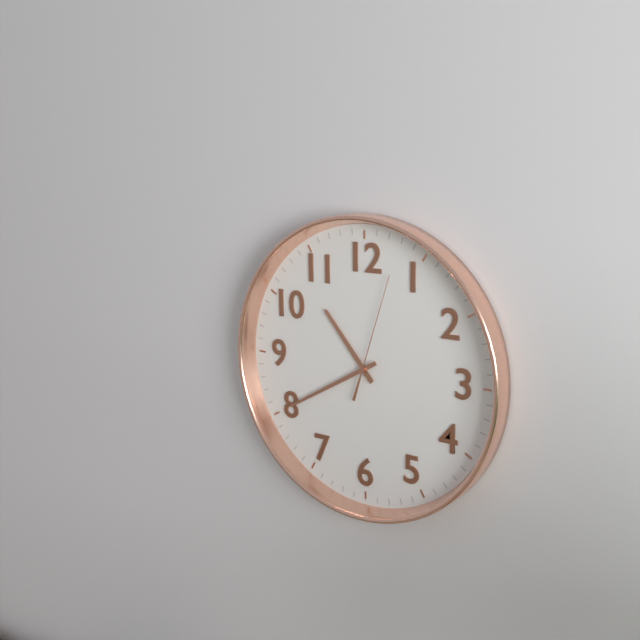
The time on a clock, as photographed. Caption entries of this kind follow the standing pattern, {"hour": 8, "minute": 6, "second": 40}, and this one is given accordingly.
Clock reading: {"hour": 10, "minute": 40, "second": 3}
